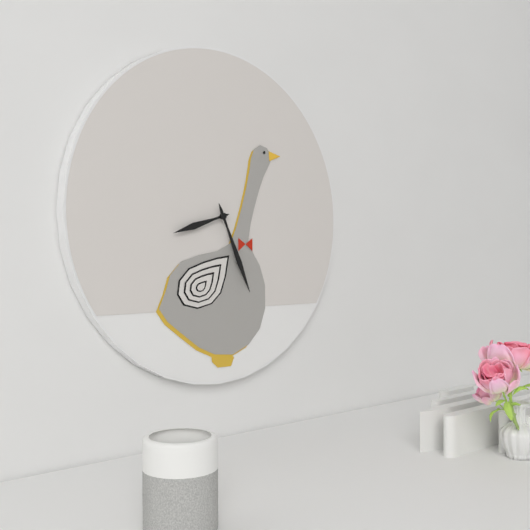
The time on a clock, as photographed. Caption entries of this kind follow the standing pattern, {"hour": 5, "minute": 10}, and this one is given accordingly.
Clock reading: {"hour": 8, "minute": 26}
